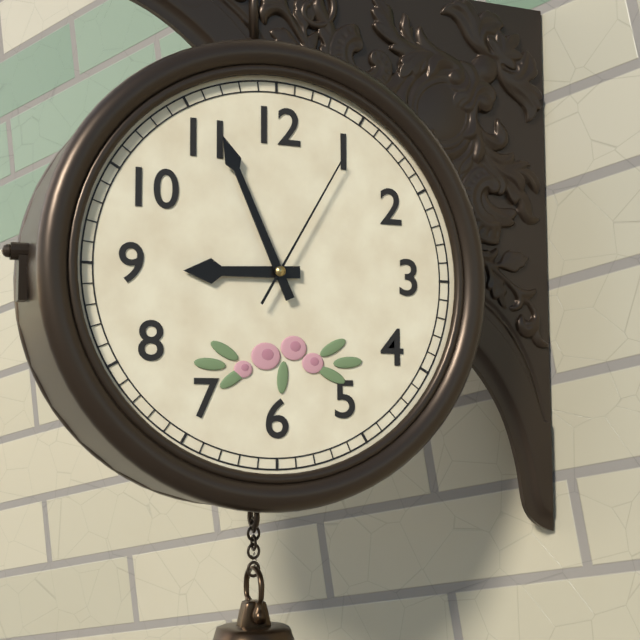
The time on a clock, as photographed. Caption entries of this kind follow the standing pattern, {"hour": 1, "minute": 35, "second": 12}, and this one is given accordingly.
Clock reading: {"hour": 8, "minute": 56, "second": 5}
